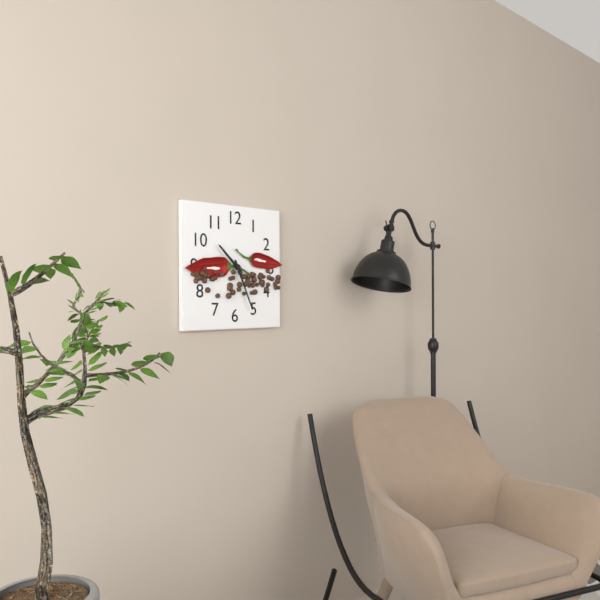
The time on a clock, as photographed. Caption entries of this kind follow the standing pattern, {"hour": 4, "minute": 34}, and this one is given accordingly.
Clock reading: {"hour": 10, "minute": 26}
